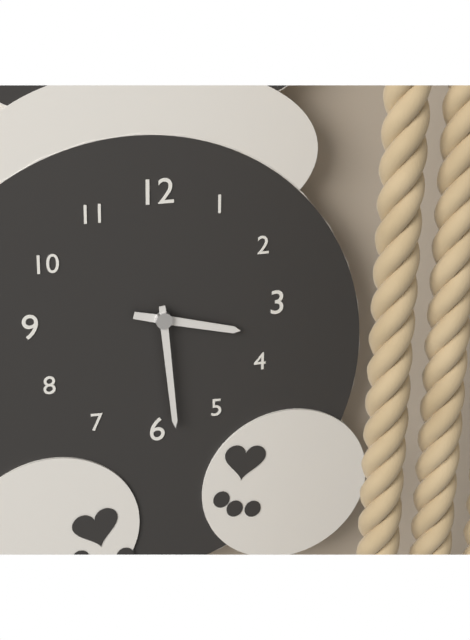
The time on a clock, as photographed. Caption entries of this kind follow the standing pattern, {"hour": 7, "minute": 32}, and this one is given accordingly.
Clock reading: {"hour": 3, "minute": 29}
